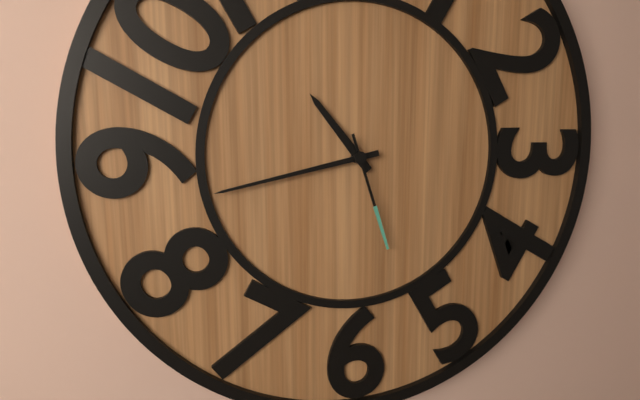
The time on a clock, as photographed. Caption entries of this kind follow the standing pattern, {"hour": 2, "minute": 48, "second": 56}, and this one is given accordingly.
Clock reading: {"hour": 10, "minute": 43, "second": 27}
